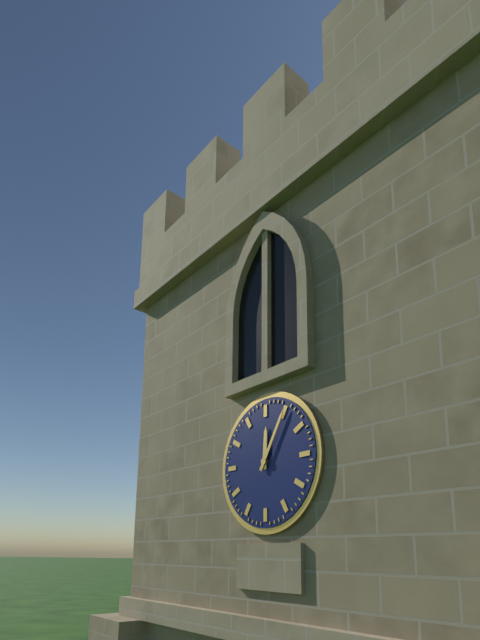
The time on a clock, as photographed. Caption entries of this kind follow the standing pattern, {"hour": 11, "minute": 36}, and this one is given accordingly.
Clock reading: {"hour": 12, "minute": 5}
